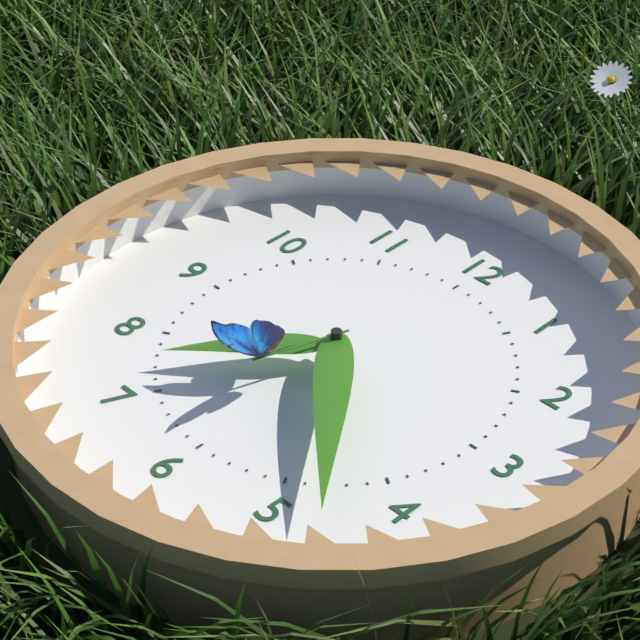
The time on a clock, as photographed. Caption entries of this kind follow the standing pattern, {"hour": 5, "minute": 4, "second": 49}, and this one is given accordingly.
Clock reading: {"hour": 7, "minute": 23, "second": 33}
